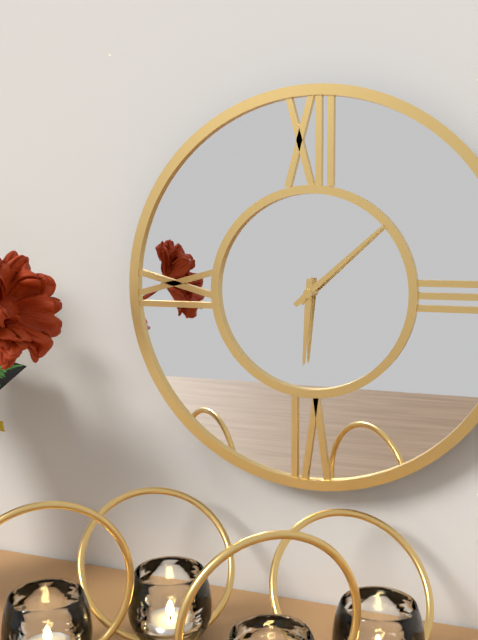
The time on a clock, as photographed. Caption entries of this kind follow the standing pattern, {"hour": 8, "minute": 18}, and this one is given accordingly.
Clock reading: {"hour": 6, "minute": 8}
